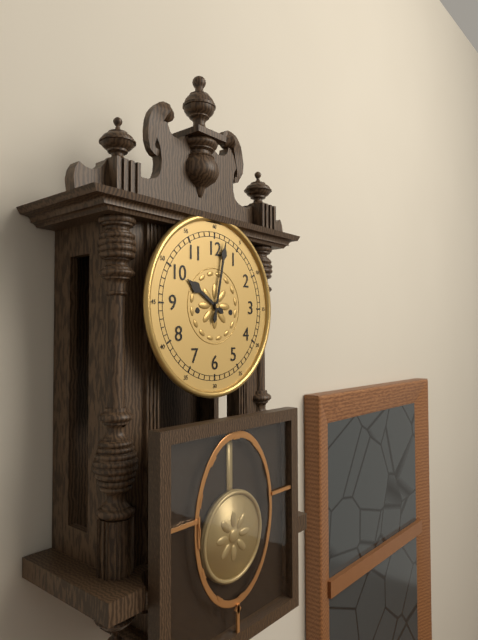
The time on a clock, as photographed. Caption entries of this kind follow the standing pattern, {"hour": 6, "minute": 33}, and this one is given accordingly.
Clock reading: {"hour": 10, "minute": 2}
